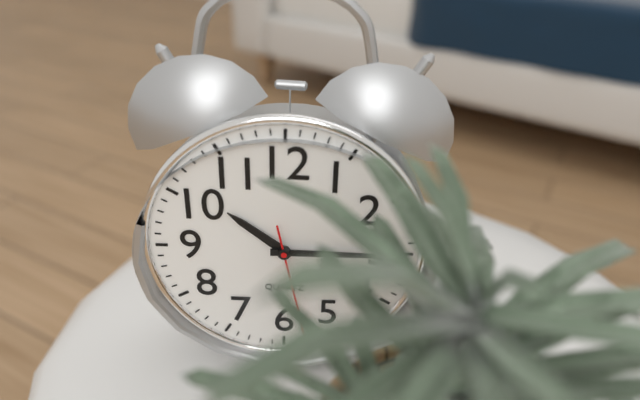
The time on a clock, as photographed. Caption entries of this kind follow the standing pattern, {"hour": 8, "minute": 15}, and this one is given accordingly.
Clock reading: {"hour": 10, "minute": 15}
